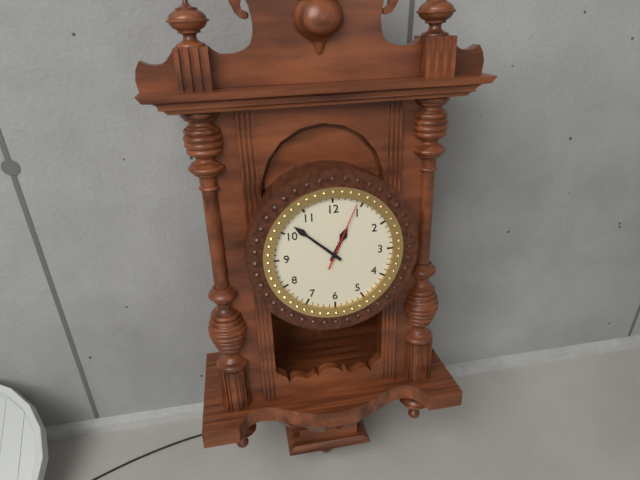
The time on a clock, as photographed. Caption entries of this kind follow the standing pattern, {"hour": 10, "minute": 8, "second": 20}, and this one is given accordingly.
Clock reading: {"hour": 12, "minute": 52, "second": 4}
